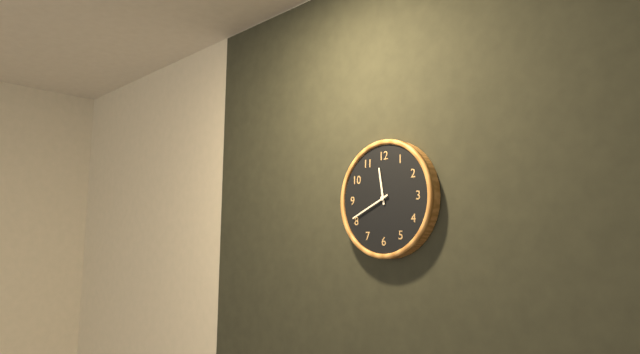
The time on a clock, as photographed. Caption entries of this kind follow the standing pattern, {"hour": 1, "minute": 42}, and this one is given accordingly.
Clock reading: {"hour": 11, "minute": 41}
